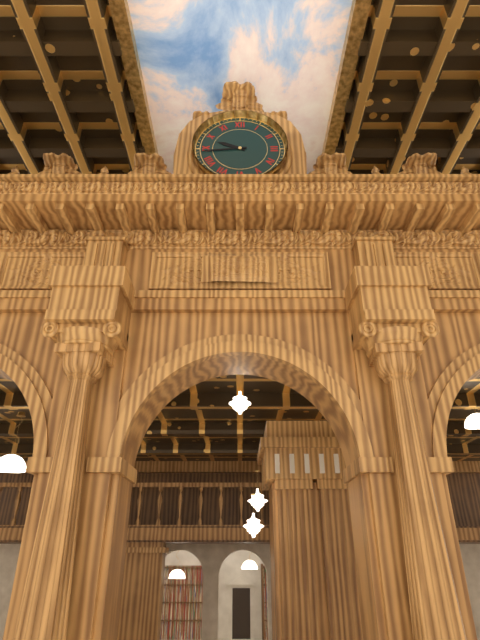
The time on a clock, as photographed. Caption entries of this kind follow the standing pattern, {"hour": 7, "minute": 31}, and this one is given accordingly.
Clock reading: {"hour": 9, "minute": 44}
